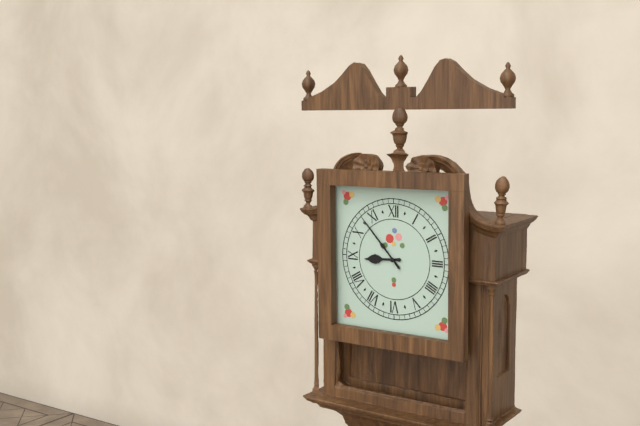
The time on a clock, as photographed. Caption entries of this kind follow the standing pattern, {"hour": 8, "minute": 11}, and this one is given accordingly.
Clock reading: {"hour": 8, "minute": 53}
